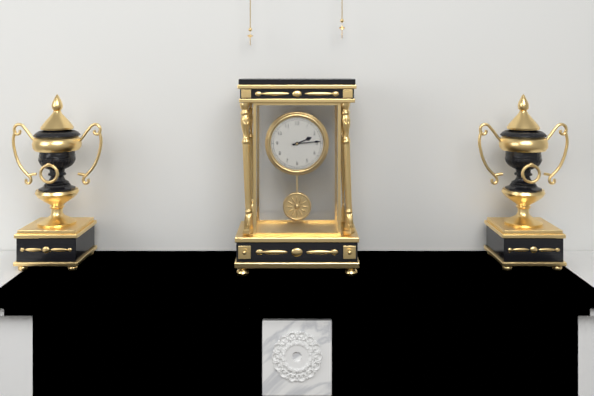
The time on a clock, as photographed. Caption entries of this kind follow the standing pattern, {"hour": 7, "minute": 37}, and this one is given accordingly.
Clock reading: {"hour": 2, "minute": 14}
